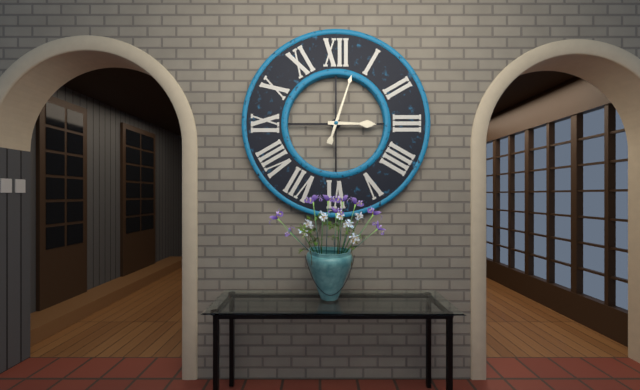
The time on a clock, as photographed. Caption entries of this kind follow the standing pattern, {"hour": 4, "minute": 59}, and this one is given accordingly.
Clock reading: {"hour": 3, "minute": 3}
